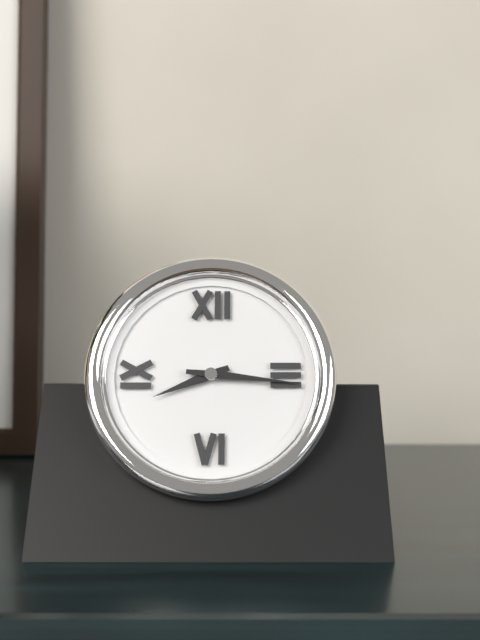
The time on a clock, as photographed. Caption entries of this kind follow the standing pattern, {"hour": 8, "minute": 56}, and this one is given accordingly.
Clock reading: {"hour": 8, "minute": 16}
